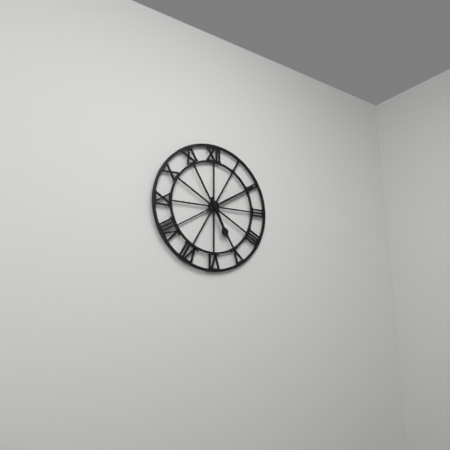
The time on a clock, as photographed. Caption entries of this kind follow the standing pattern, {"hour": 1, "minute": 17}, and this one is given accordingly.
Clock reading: {"hour": 5, "minute": 10}
